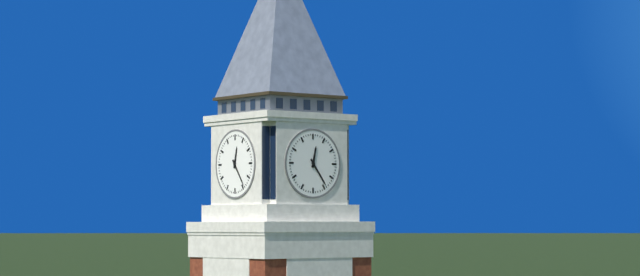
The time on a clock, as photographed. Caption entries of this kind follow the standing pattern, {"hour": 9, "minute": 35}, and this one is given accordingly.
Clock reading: {"hour": 12, "minute": 24}
